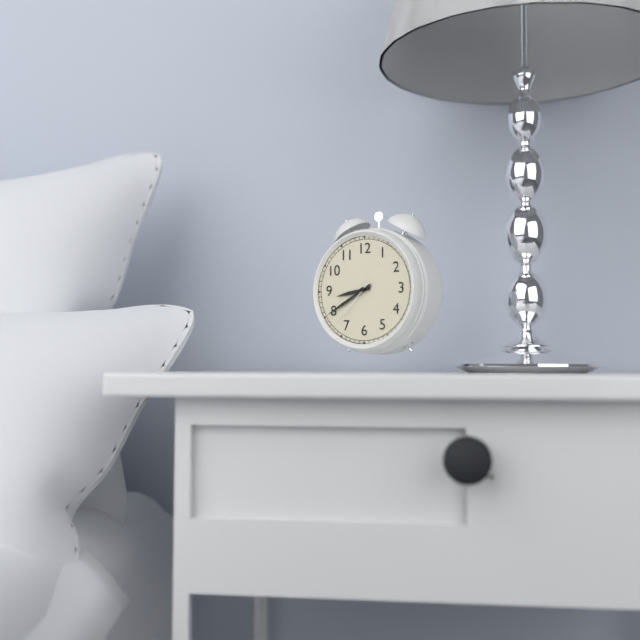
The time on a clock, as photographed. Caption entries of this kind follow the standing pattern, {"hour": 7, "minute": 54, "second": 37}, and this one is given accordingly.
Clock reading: {"hour": 8, "minute": 40, "second": 37}
